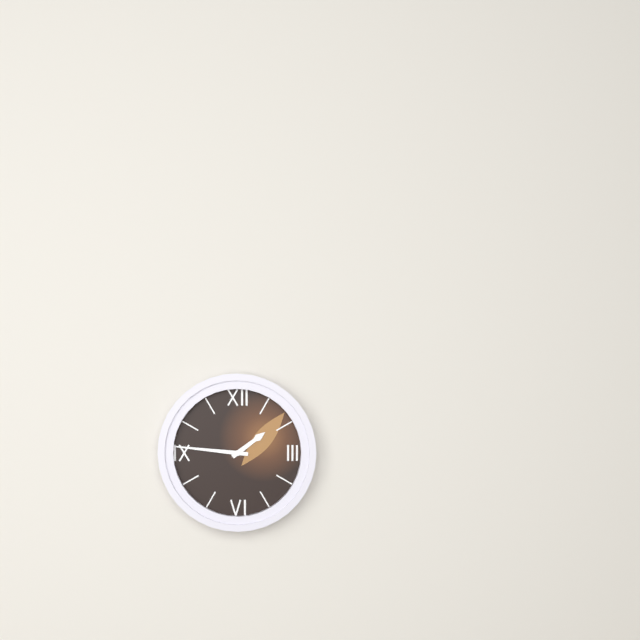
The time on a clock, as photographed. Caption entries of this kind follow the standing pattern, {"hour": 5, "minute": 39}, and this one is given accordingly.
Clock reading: {"hour": 1, "minute": 46}
